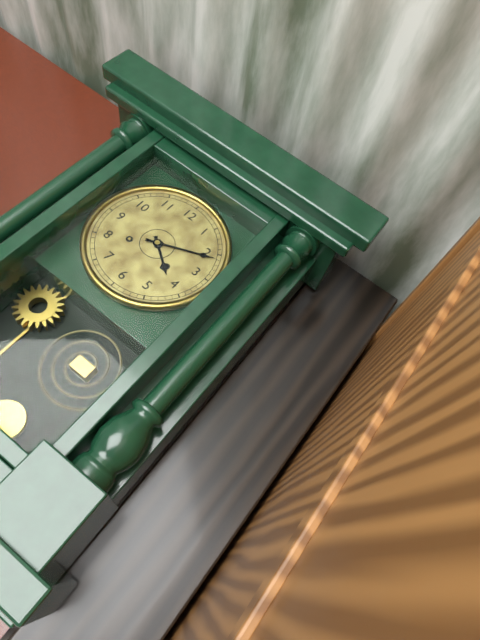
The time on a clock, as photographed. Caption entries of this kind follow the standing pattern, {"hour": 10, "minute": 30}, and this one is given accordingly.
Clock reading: {"hour": 4, "minute": 11}
